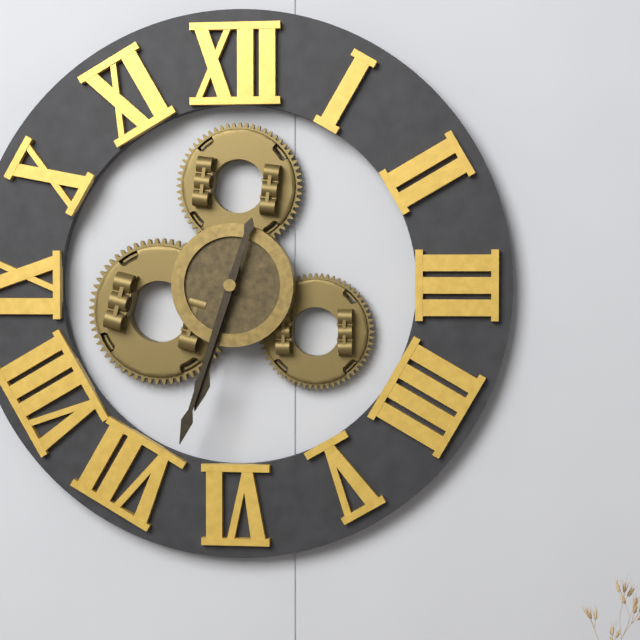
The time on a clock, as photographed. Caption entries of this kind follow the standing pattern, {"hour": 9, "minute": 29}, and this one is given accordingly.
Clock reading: {"hour": 6, "minute": 33}
